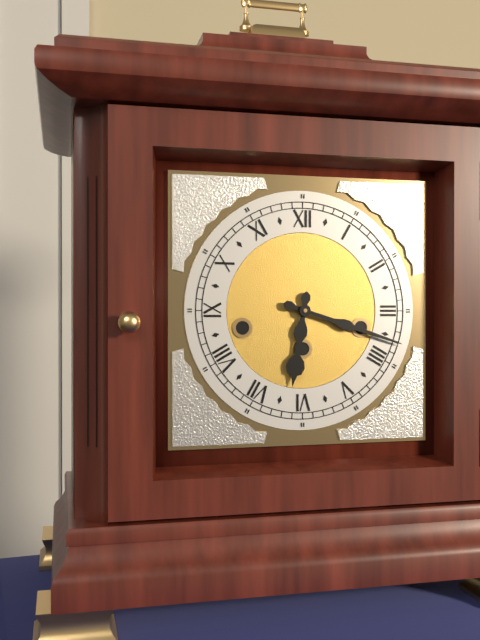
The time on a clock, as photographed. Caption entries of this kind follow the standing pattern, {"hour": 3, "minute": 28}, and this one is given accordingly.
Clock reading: {"hour": 6, "minute": 18}
